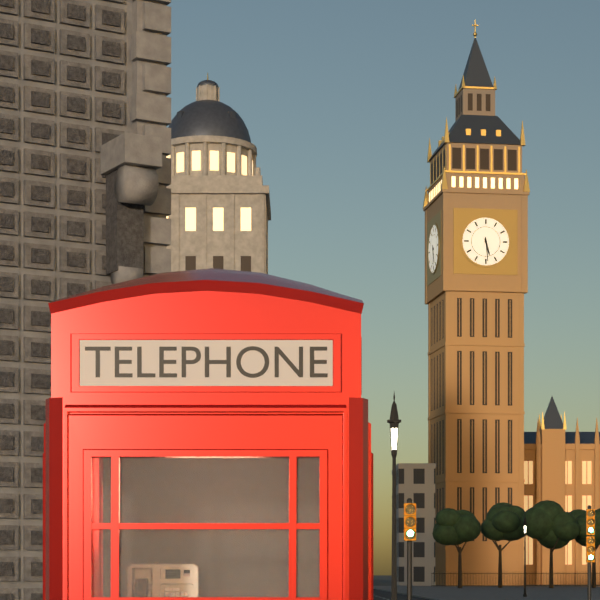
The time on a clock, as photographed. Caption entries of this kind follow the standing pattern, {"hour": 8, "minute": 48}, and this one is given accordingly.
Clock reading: {"hour": 5, "minute": 29}
